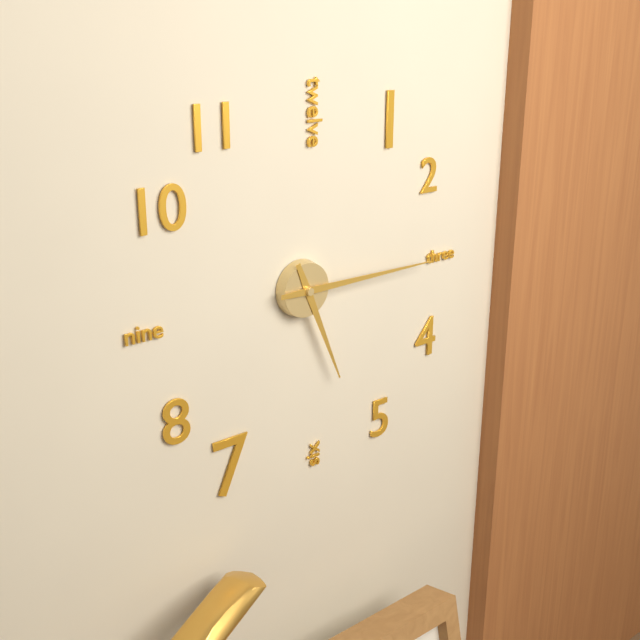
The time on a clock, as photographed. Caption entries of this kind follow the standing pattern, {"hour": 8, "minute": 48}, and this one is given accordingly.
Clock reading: {"hour": 5, "minute": 15}
